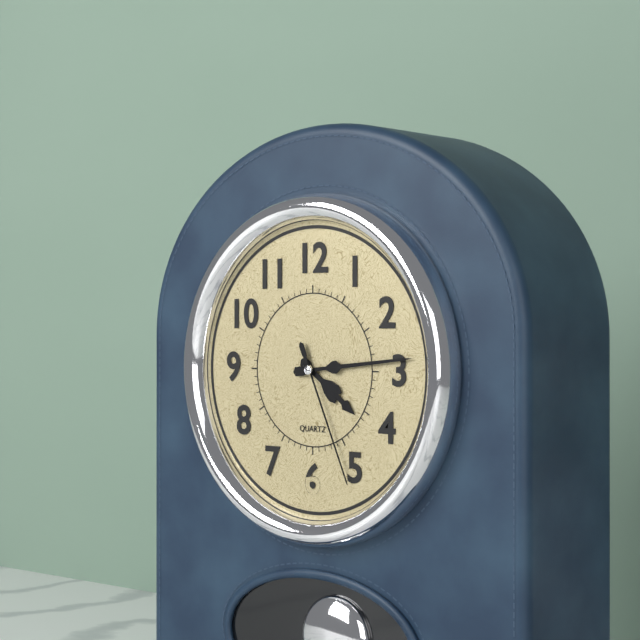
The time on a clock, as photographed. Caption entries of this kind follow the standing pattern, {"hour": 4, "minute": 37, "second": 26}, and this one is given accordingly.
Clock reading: {"hour": 4, "minute": 14, "second": 26}
